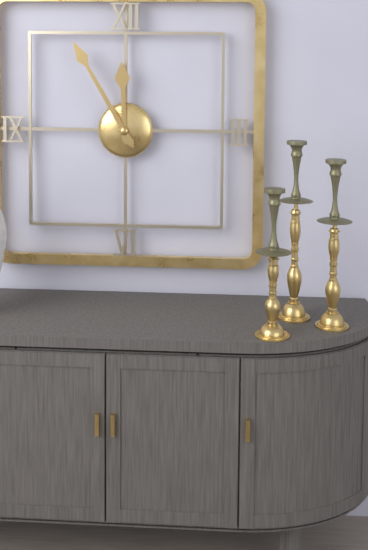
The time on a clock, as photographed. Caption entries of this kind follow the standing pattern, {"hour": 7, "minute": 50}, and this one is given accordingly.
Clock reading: {"hour": 11, "minute": 55}
